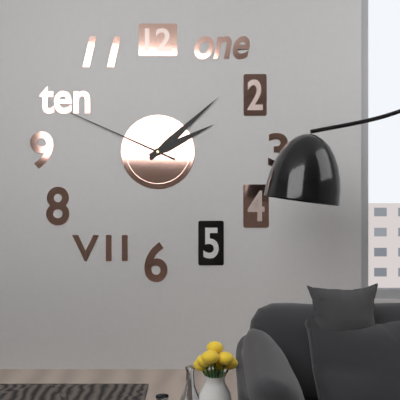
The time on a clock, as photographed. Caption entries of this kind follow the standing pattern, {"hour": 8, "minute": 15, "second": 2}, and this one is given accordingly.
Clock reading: {"hour": 2, "minute": 8, "second": 49}
